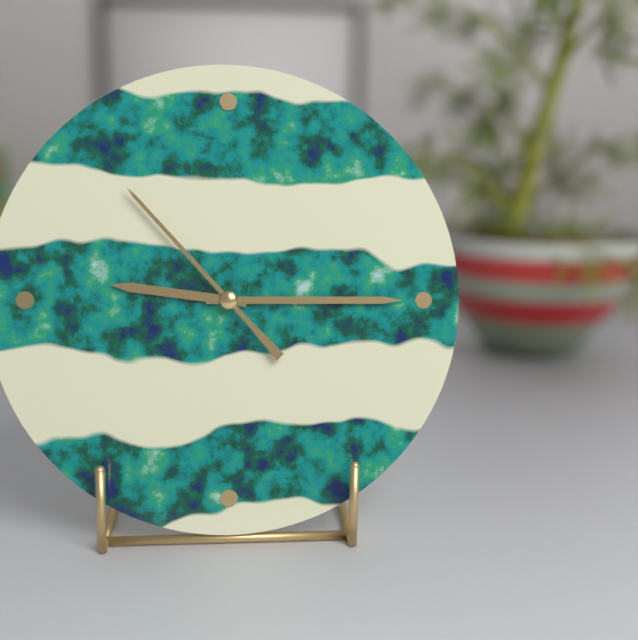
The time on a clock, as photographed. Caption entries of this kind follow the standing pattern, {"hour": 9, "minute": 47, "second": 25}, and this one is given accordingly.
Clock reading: {"hour": 9, "minute": 15, "second": 53}
